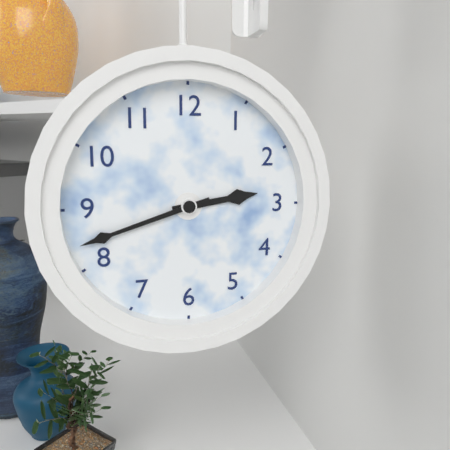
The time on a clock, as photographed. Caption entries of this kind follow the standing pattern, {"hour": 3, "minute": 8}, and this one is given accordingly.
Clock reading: {"hour": 2, "minute": 42}
